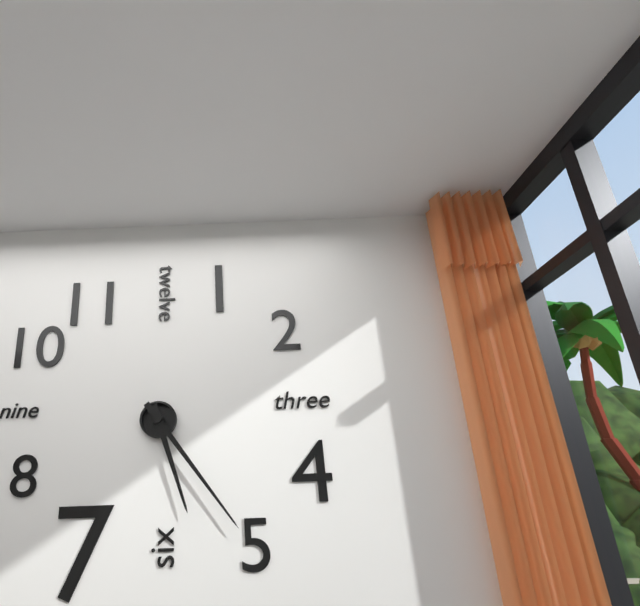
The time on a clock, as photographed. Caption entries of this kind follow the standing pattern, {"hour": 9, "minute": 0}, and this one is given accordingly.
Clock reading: {"hour": 5, "minute": 24}
